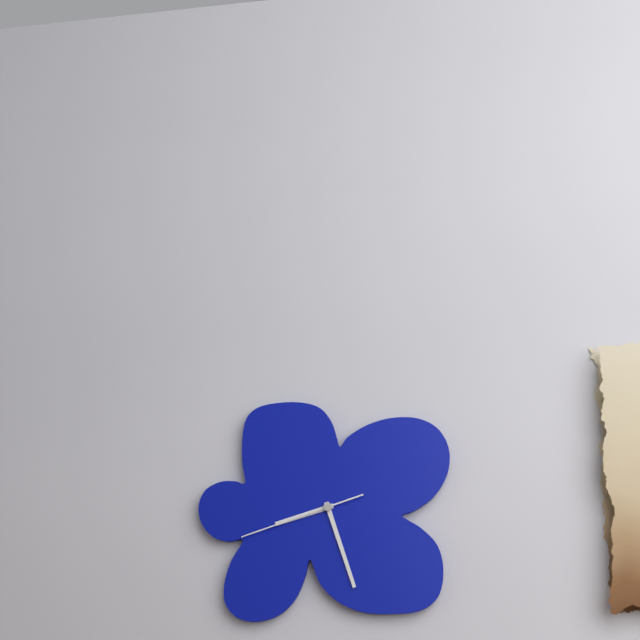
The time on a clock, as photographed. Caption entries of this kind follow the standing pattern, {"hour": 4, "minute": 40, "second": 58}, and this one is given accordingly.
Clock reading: {"hour": 8, "minute": 27, "second": 42}
